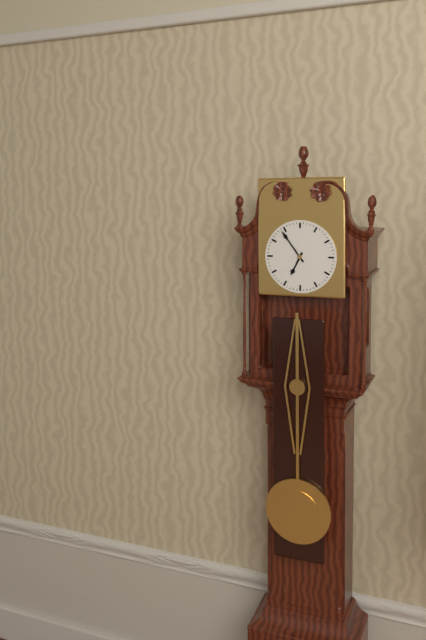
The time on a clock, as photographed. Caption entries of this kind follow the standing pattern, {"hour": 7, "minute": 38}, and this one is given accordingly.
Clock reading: {"hour": 6, "minute": 54}
